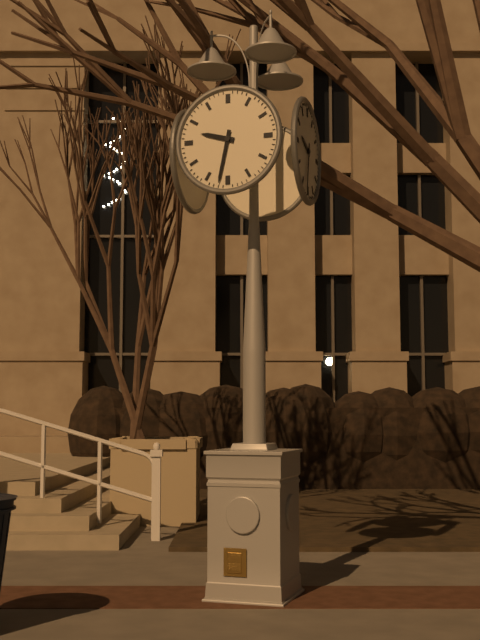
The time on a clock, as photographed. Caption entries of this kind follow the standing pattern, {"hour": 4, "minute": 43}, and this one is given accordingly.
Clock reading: {"hour": 9, "minute": 32}
